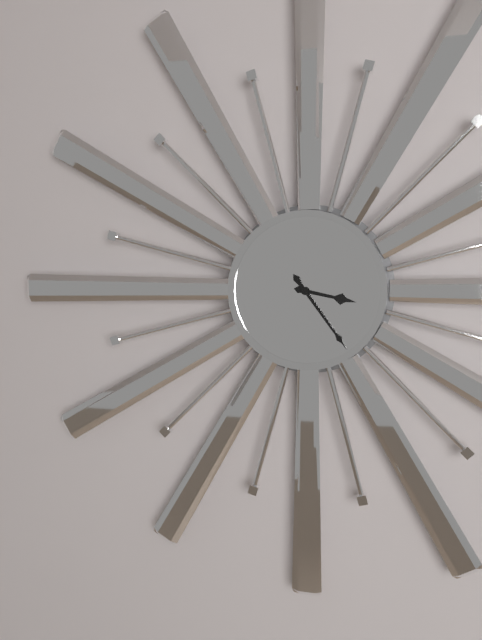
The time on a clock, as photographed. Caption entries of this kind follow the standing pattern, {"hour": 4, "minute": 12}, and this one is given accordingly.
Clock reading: {"hour": 3, "minute": 24}
